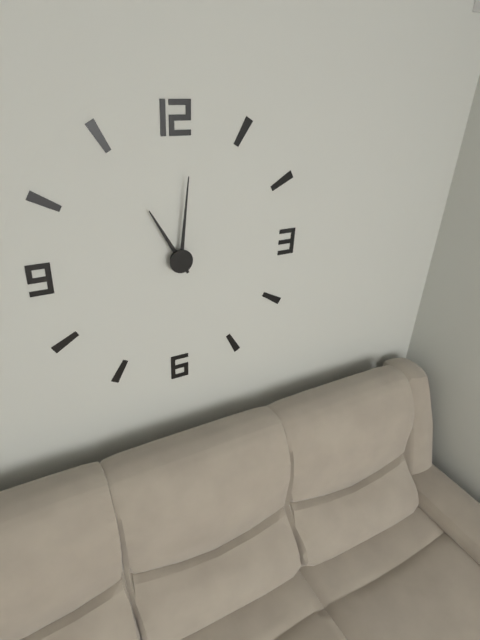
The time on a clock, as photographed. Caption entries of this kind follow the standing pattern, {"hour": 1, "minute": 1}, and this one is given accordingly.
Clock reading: {"hour": 11, "minute": 1}
